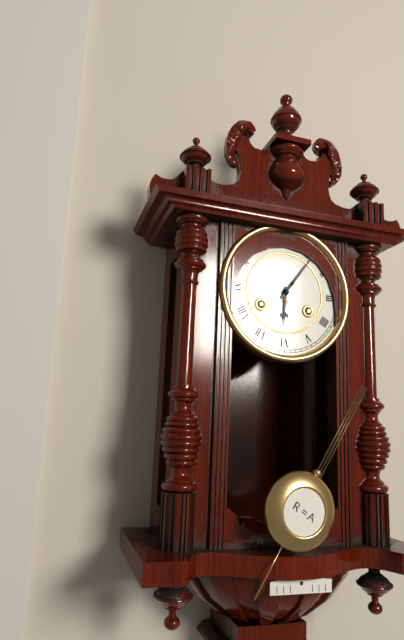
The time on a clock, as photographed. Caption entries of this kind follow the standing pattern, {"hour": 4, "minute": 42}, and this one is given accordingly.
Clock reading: {"hour": 6, "minute": 6}
